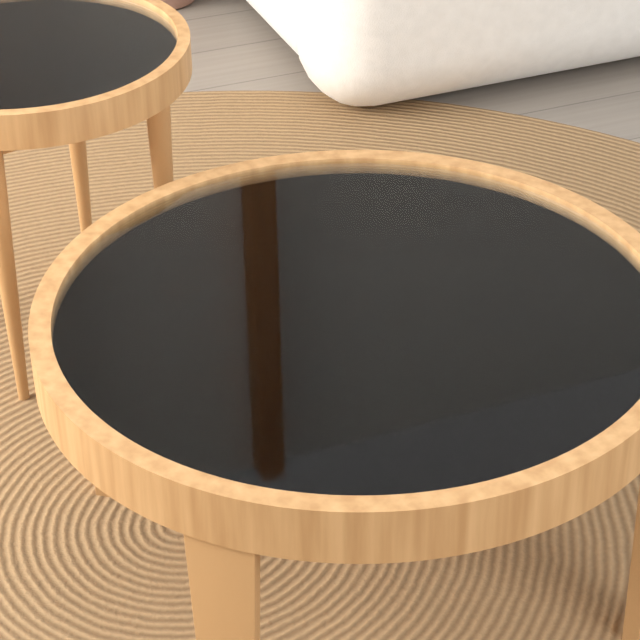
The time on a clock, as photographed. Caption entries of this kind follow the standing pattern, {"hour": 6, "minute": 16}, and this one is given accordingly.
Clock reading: {"hour": 3, "minute": 55}
